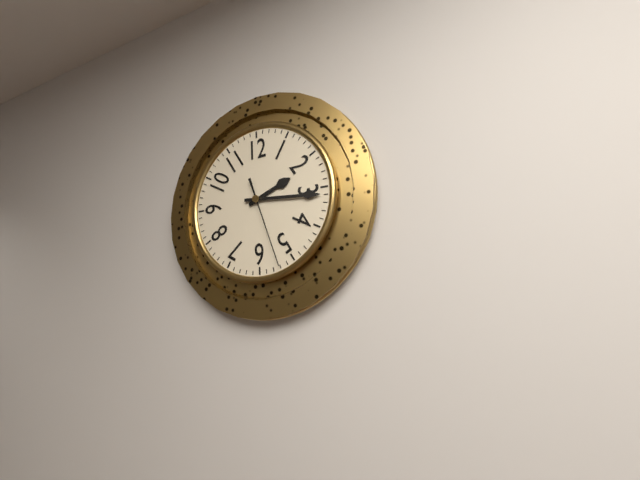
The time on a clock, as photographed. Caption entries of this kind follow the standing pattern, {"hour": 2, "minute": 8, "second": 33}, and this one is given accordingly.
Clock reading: {"hour": 2, "minute": 16, "second": 27}
